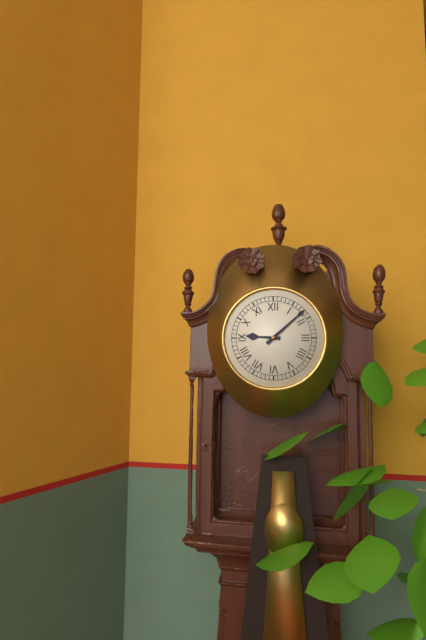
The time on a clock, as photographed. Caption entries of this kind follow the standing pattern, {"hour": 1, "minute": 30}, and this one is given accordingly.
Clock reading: {"hour": 9, "minute": 8}
